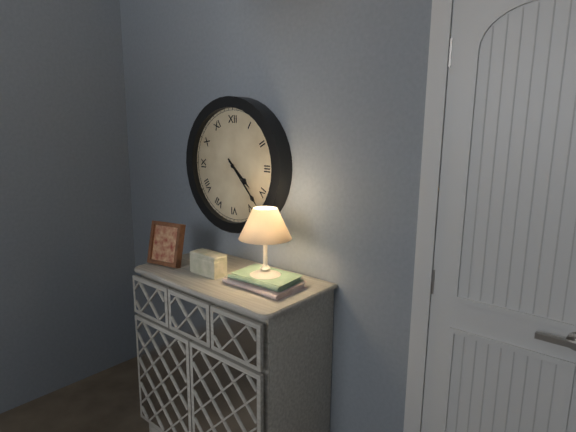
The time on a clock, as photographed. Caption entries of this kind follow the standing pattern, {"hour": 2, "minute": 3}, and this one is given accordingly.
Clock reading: {"hour": 4, "minute": 23}
